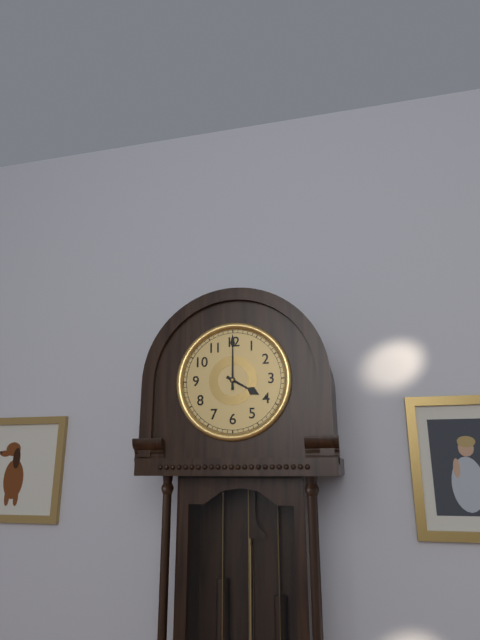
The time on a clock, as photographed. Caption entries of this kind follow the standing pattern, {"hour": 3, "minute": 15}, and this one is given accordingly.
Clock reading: {"hour": 4, "minute": 0}
